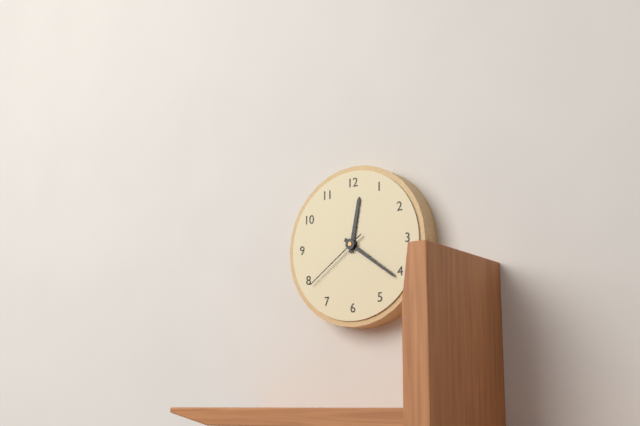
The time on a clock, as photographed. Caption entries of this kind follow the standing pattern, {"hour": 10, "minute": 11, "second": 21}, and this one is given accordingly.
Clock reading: {"hour": 12, "minute": 21, "second": 39}
